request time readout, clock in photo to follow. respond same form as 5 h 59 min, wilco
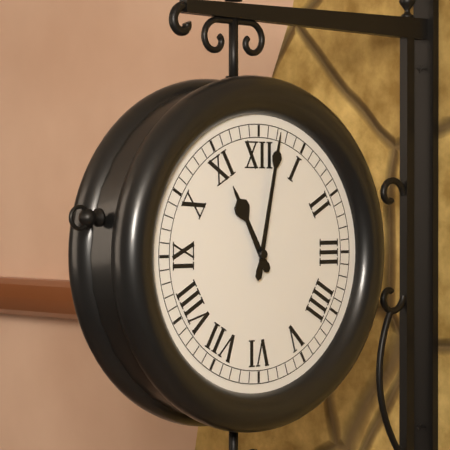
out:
11 h 02 min
